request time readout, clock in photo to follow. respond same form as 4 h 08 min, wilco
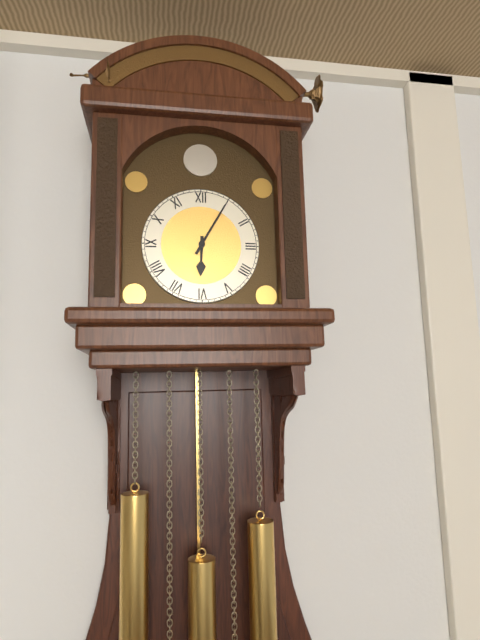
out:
6 h 05 min
